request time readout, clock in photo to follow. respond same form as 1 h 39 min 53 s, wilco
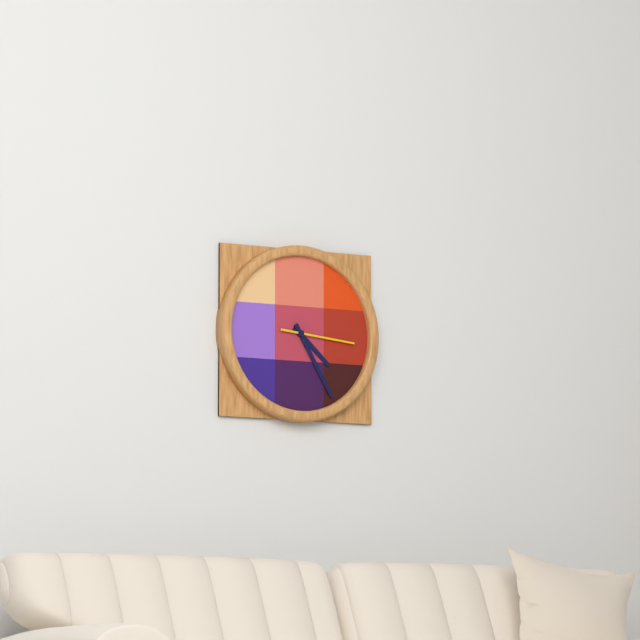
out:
4 h 25 min 16 s
